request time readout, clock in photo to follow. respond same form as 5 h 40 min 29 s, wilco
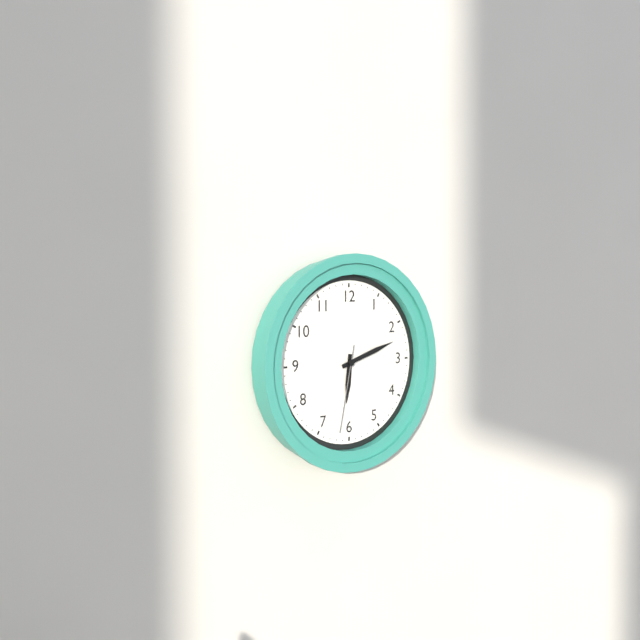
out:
6 h 12 min 32 s
